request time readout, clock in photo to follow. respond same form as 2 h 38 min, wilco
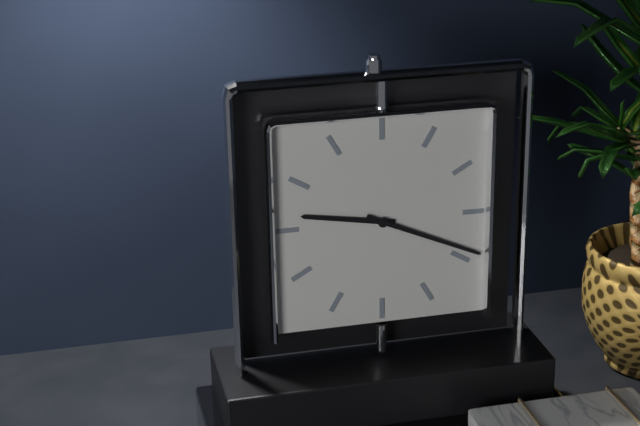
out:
9 h 19 min
